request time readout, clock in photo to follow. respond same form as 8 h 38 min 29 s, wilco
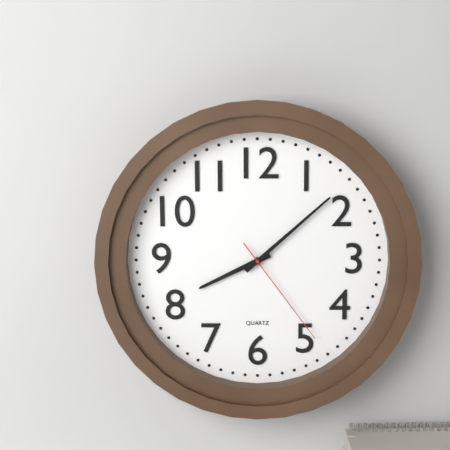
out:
8 h 08 min 24 s
